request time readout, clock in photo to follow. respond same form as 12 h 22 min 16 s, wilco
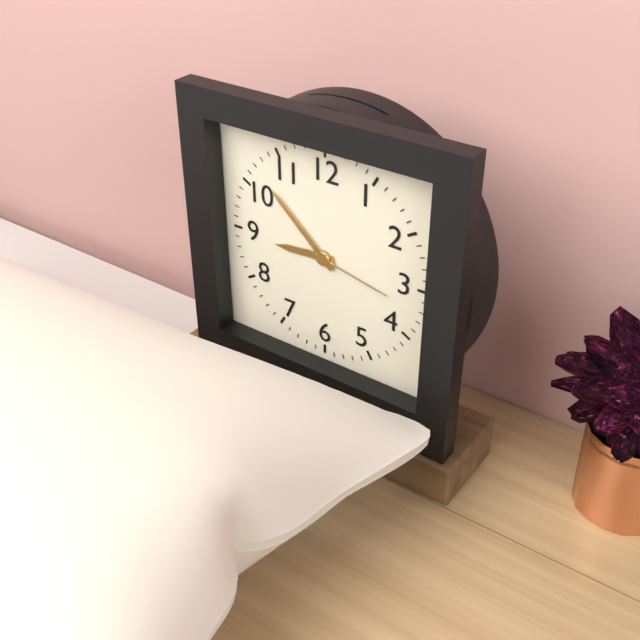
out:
8 h 52 min 17 s
